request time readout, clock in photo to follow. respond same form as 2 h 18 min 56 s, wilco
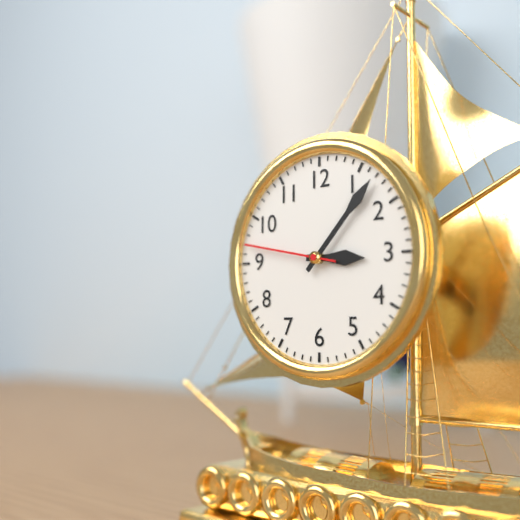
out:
3 h 07 min 47 s
